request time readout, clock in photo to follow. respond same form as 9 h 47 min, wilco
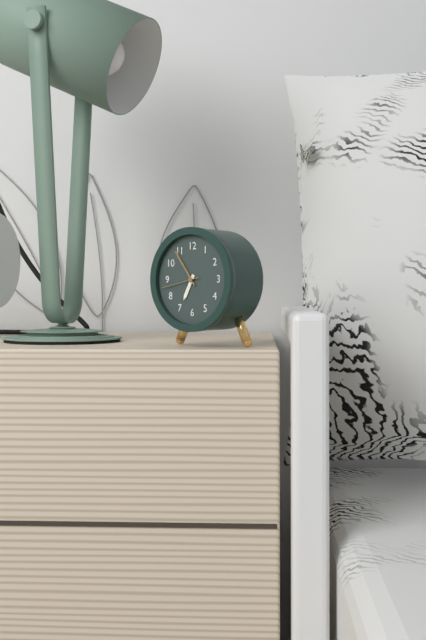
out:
6 h 54 min
